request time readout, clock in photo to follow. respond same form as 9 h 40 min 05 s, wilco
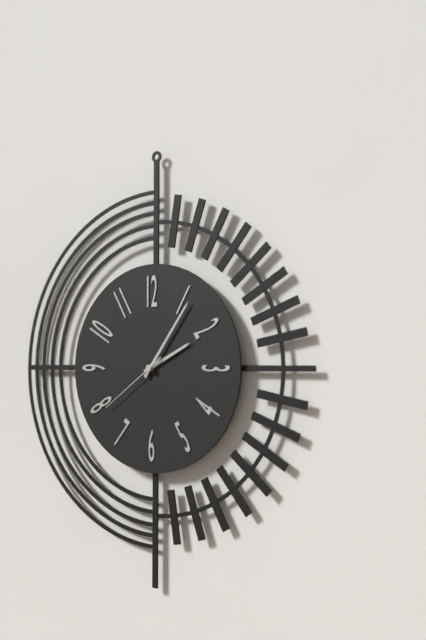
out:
2 h 06 min 39 s
